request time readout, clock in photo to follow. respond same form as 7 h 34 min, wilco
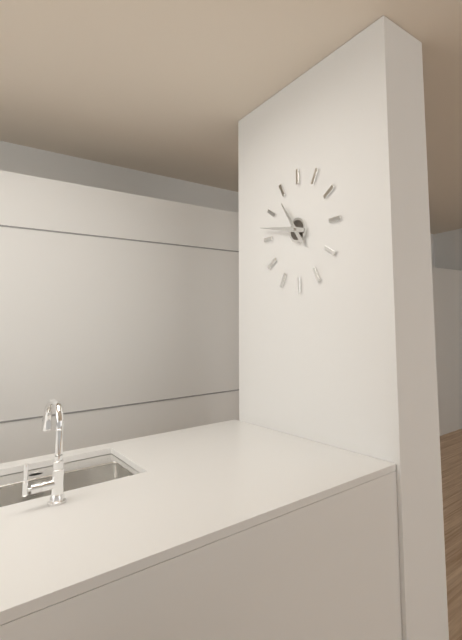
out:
10 h 47 min
